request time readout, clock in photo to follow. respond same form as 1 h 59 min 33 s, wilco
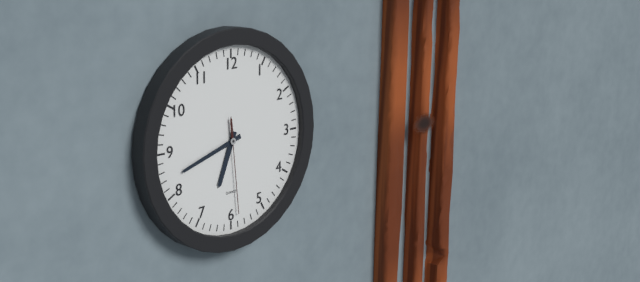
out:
6 h 42 min 29 s
